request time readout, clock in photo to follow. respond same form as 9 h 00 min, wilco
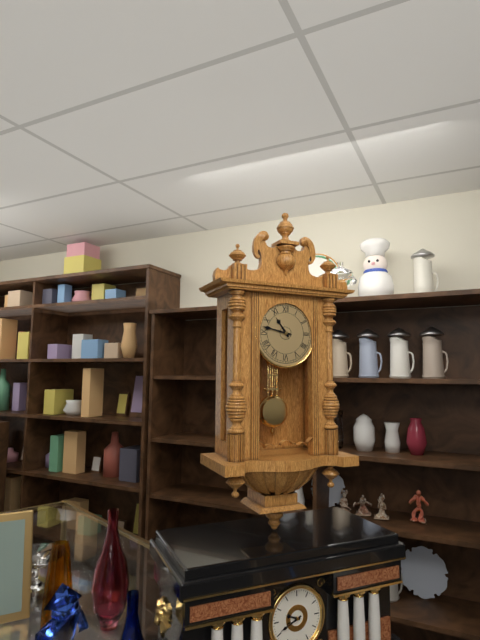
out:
10 h 47 min
